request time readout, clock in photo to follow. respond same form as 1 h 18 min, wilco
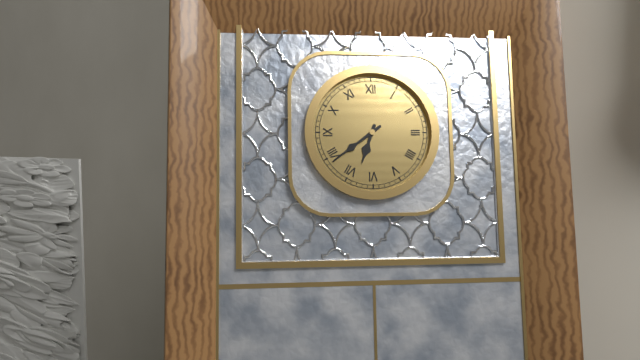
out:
6 h 39 min
